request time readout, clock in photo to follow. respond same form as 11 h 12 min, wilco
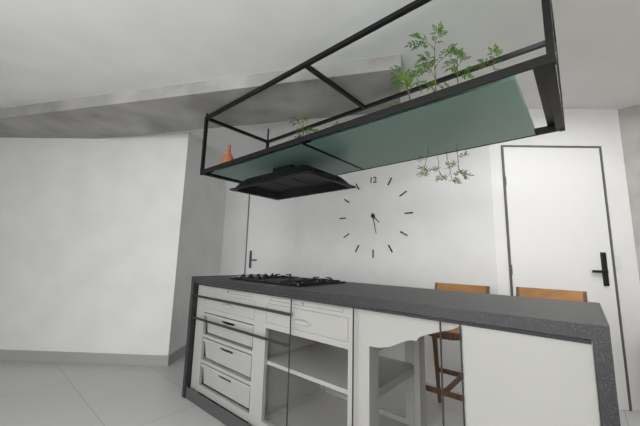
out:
4 h 28 min
